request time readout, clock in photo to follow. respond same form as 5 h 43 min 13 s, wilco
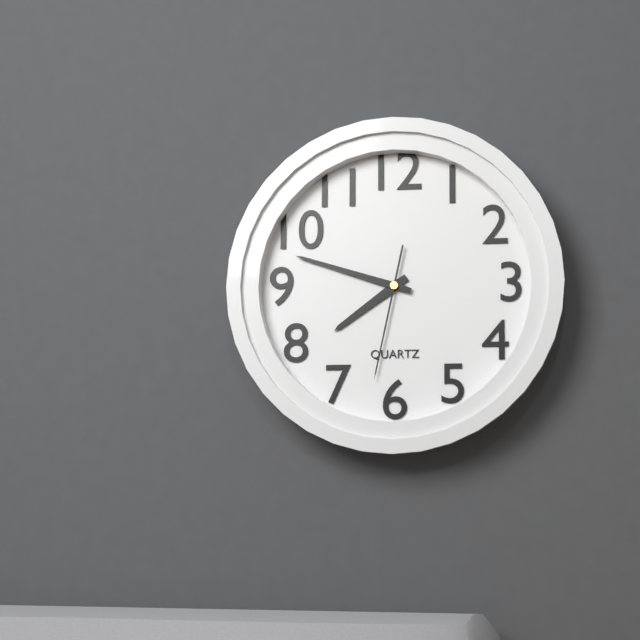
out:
7 h 48 min 32 s
